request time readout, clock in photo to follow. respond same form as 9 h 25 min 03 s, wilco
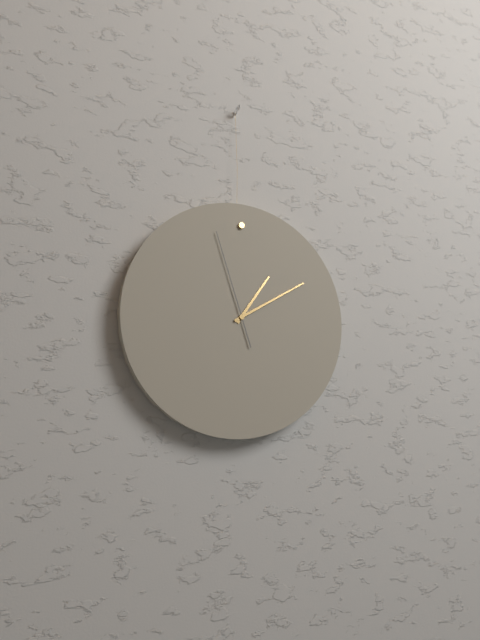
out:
1 h 10 min 57 s
